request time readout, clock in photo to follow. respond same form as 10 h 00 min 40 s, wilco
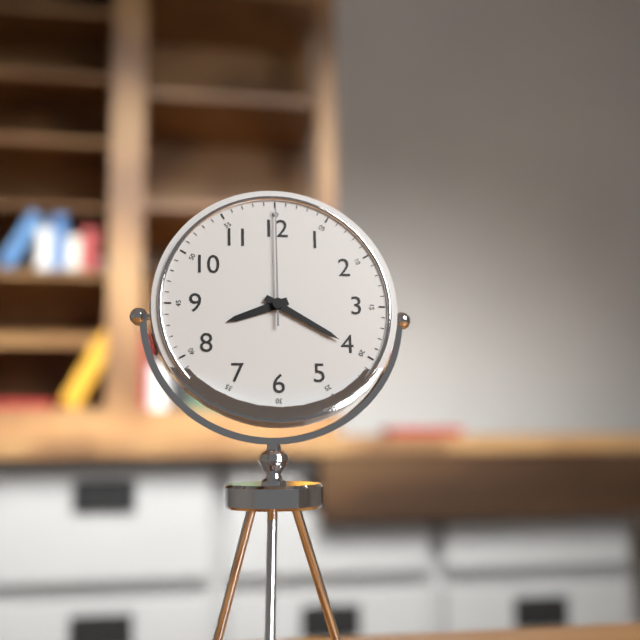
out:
8 h 20 min 00 s
